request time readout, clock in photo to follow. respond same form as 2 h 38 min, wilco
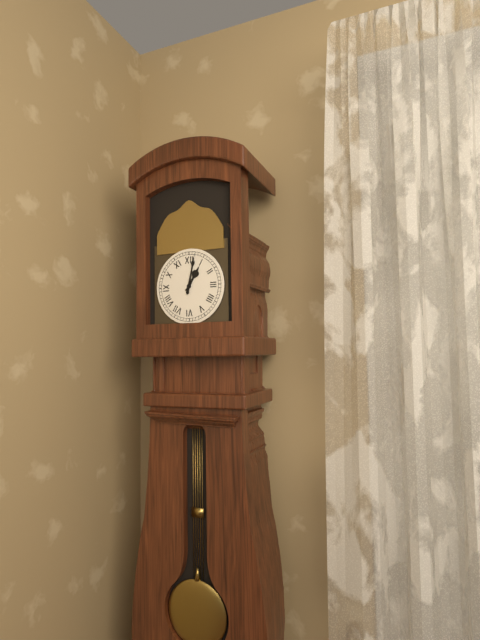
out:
1 h 02 min
